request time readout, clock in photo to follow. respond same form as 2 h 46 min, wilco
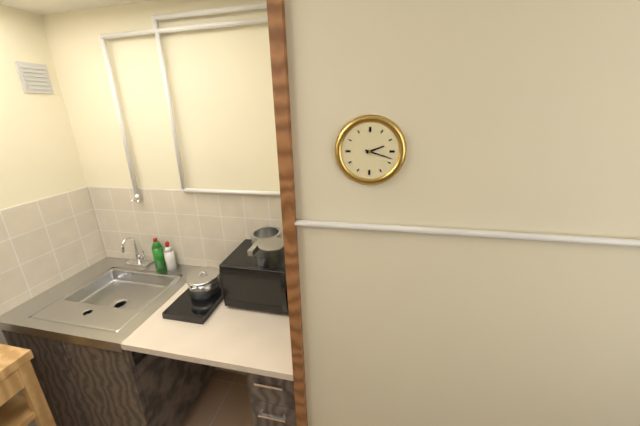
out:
2 h 18 min
